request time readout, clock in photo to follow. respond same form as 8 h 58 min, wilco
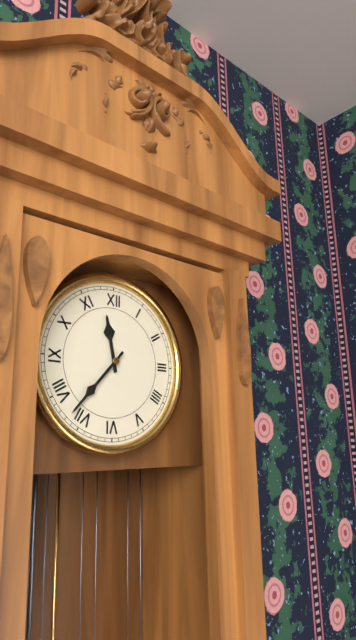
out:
11 h 37 min
